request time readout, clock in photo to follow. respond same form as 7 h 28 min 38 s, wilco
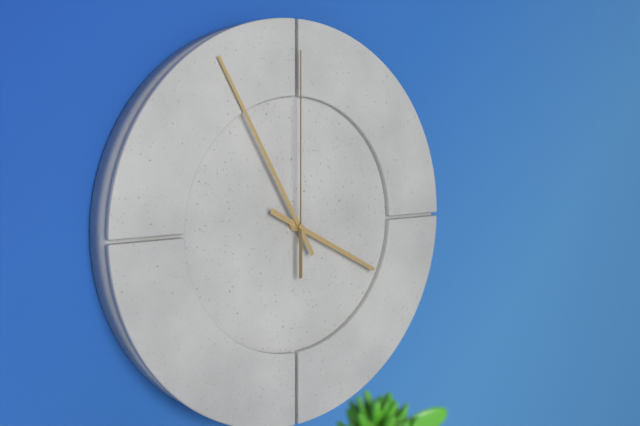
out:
3 h 55 min 00 s
